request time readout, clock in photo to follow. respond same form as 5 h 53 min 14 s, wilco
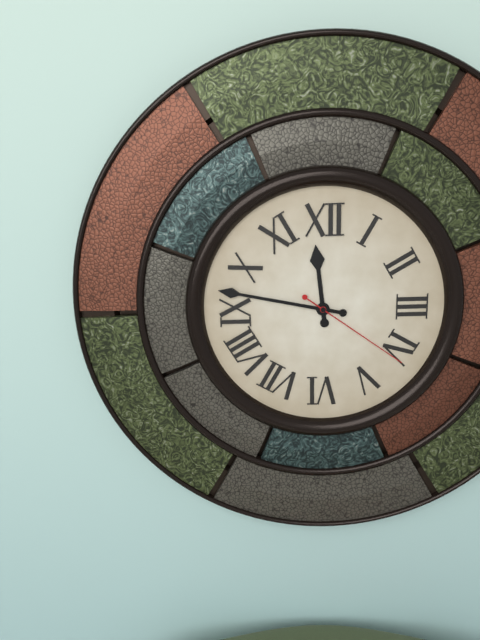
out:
11 h 47 min 21 s
